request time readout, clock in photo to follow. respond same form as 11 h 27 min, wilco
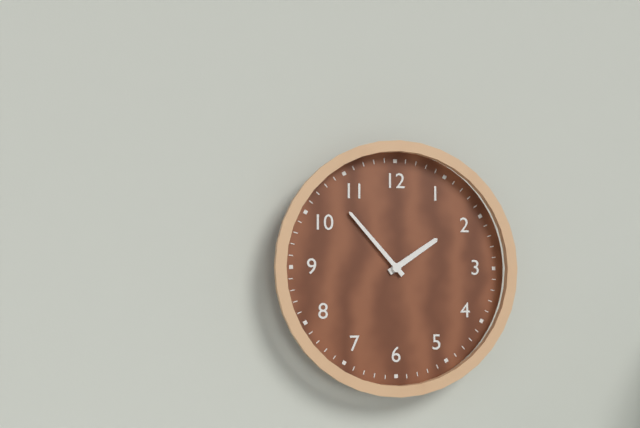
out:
1 h 53 min
